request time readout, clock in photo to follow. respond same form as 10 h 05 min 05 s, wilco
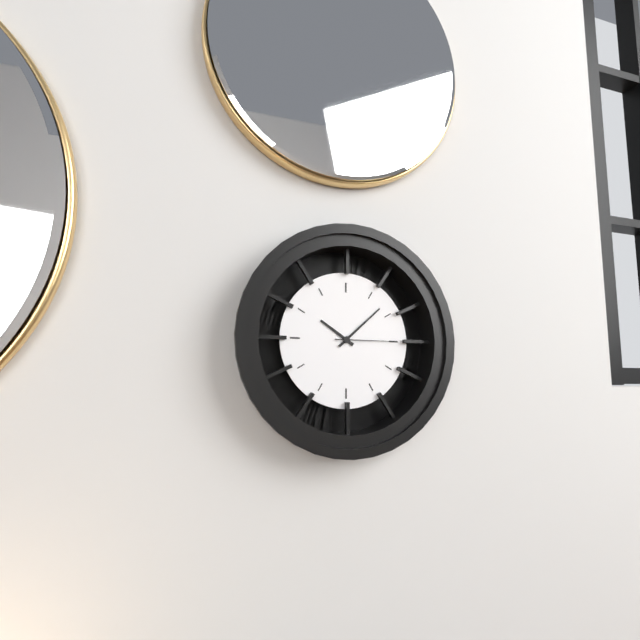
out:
10 h 08 min 15 s
